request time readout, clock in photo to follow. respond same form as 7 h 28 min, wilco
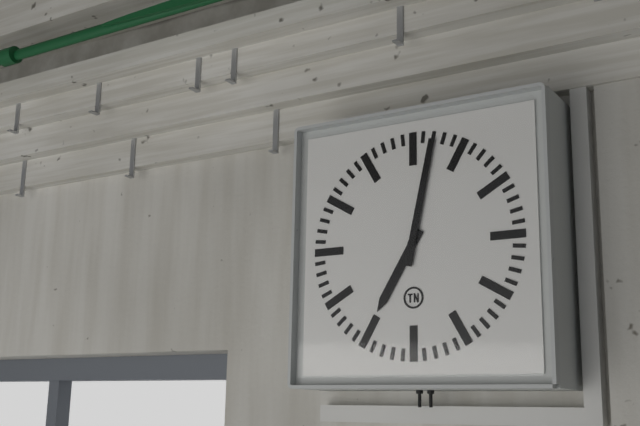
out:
7 h 02 min
